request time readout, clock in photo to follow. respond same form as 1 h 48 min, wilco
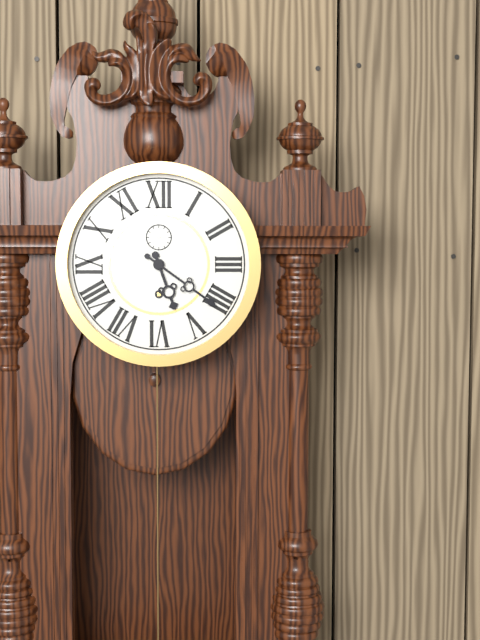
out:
5 h 21 min
